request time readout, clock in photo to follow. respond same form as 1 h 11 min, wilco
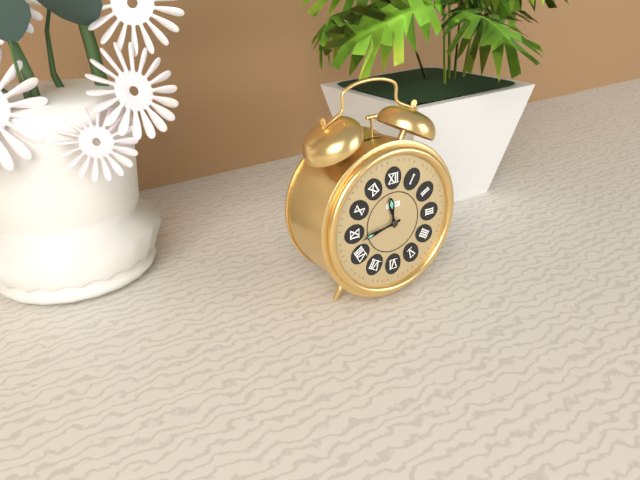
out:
11 h 43 min
